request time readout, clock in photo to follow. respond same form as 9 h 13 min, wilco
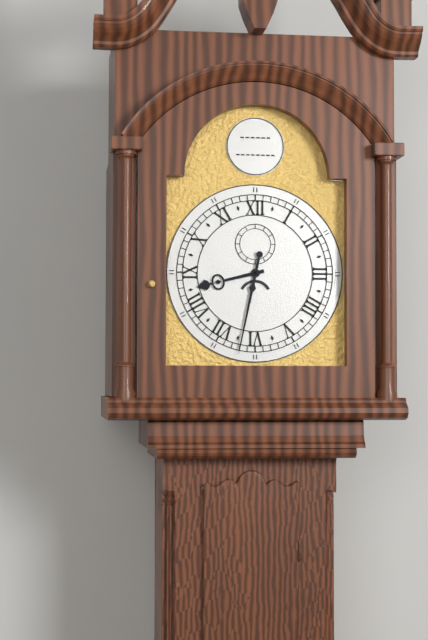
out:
8 h 32 min
